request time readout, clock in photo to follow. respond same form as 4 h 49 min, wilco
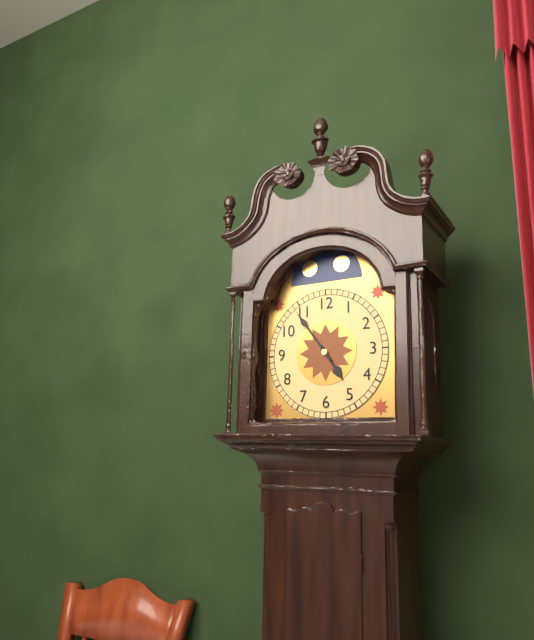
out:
4 h 54 min
